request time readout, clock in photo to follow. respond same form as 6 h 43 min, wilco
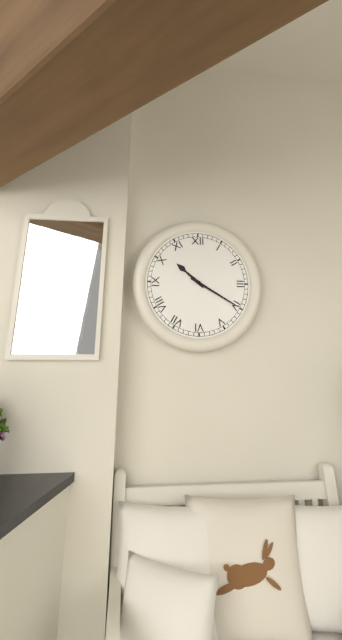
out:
10 h 20 min
